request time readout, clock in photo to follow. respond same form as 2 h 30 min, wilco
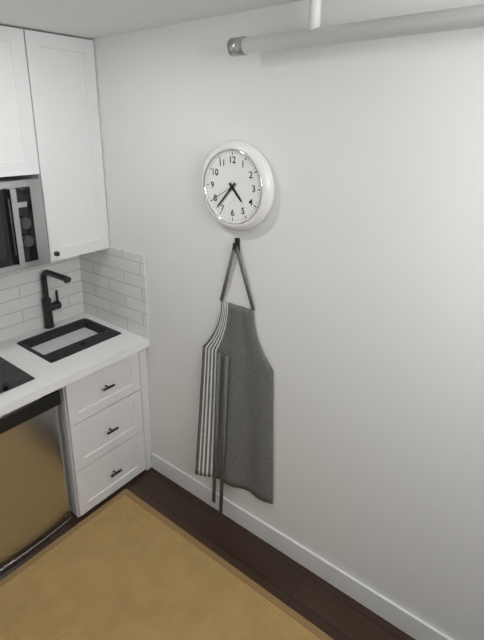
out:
4 h 37 min
